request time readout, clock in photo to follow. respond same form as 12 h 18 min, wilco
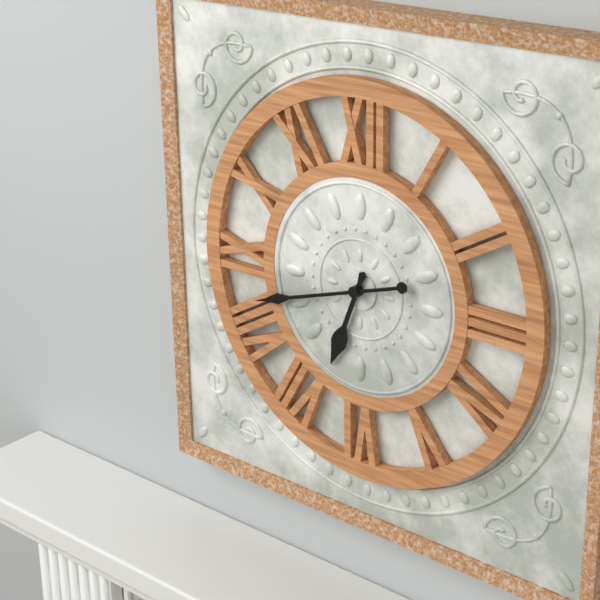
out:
6 h 42 min
